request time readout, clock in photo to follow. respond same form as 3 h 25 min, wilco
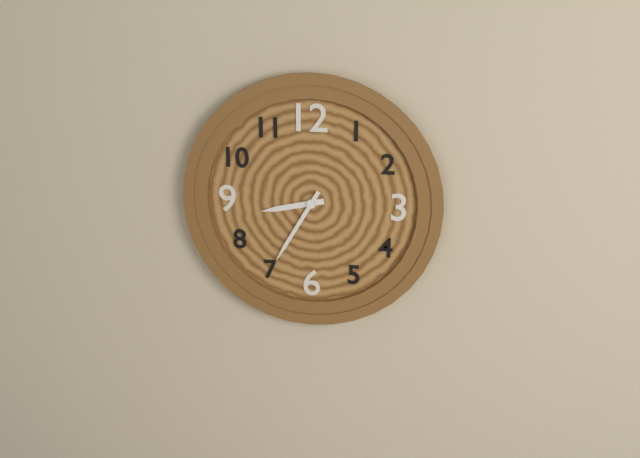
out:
8 h 35 min
